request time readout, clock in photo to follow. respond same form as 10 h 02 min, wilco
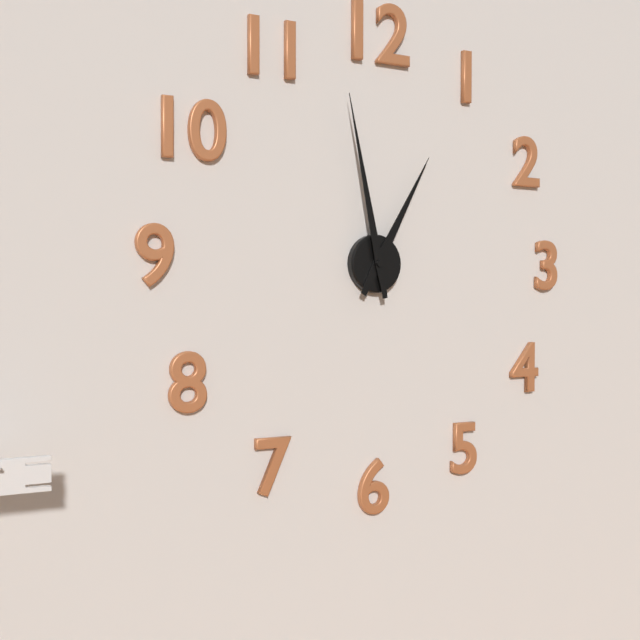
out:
12 h 58 min
